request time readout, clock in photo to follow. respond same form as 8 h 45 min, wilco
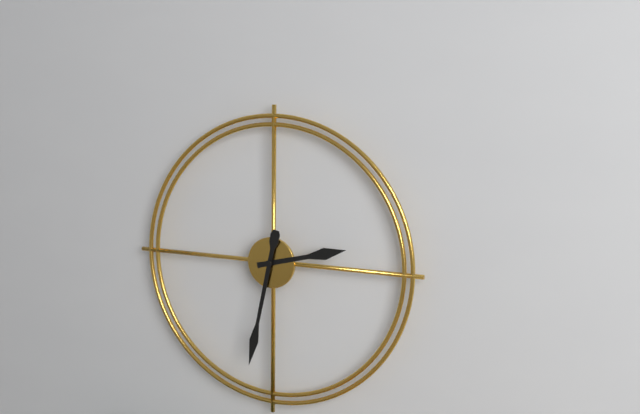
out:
2 h 32 min
